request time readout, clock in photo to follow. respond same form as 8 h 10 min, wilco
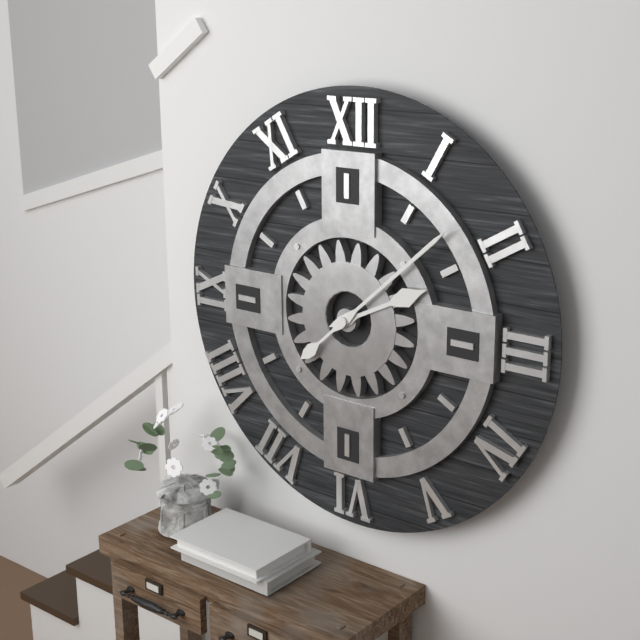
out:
2 h 08 min
